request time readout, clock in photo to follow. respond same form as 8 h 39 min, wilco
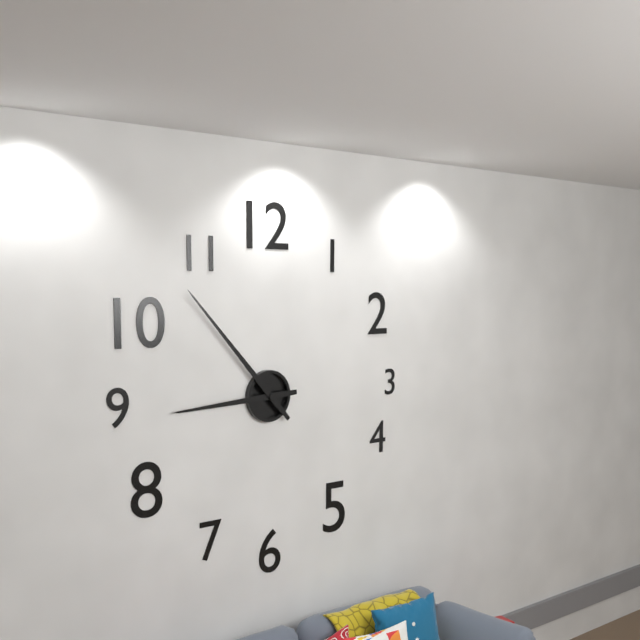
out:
8 h 53 min
